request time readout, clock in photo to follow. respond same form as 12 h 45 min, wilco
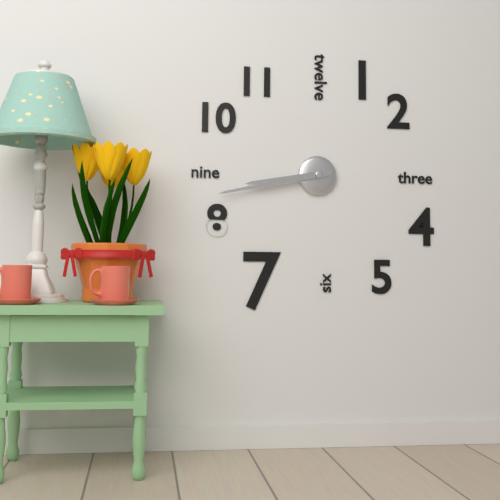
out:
8 h 43 min
